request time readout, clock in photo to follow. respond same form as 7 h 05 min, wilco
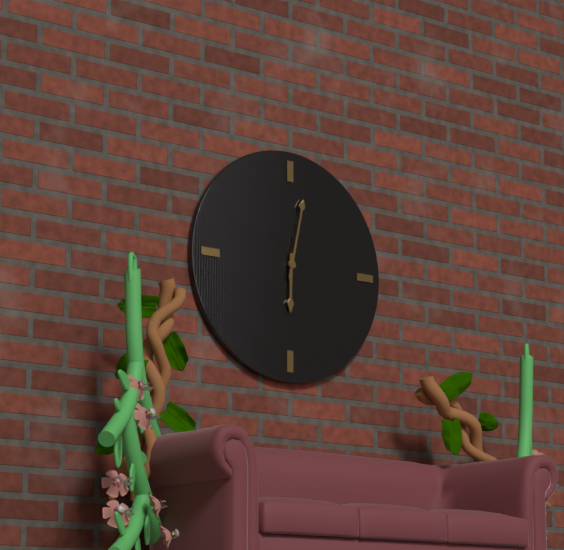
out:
6 h 02 min
